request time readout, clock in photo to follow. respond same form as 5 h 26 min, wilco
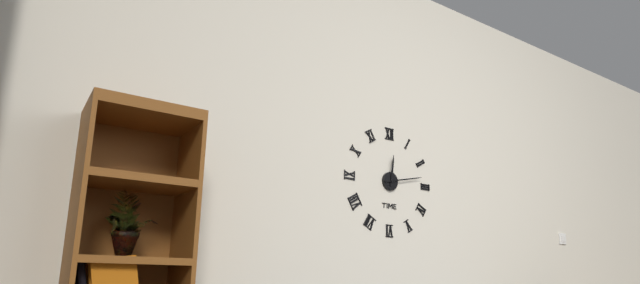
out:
12 h 13 min
